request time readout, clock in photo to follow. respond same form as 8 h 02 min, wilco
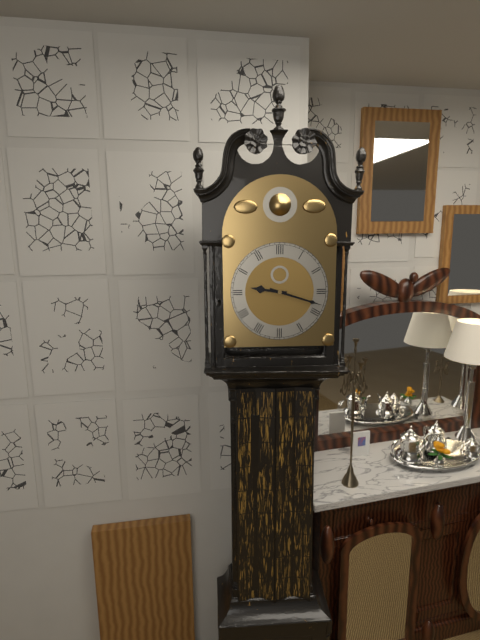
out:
9 h 18 min
